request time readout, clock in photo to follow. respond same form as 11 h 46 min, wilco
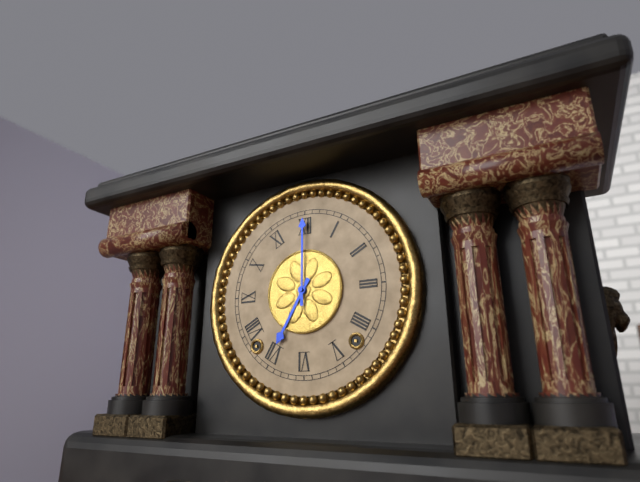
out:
7 h 00 min
